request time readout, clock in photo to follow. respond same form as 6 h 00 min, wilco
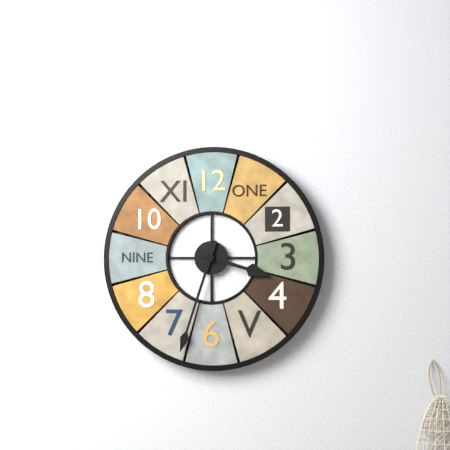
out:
3 h 33 min
